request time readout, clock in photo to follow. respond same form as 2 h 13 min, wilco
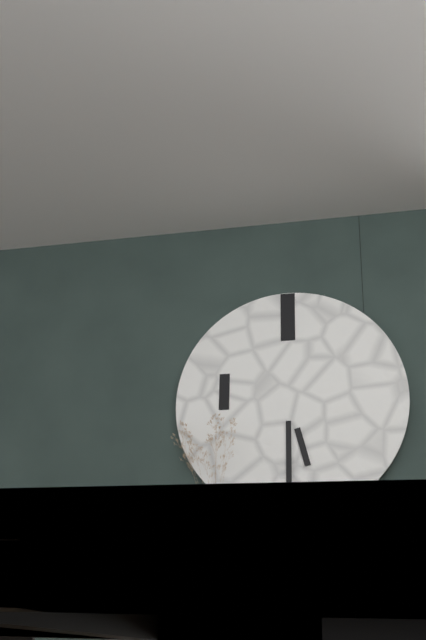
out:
5 h 30 min
